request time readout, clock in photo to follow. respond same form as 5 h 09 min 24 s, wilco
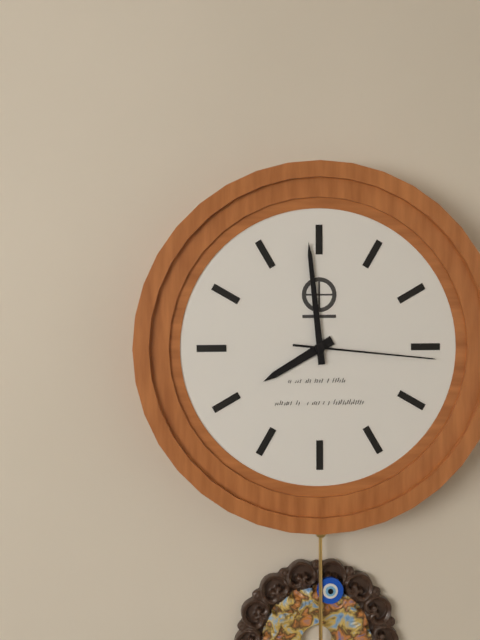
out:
7 h 59 min 16 s
